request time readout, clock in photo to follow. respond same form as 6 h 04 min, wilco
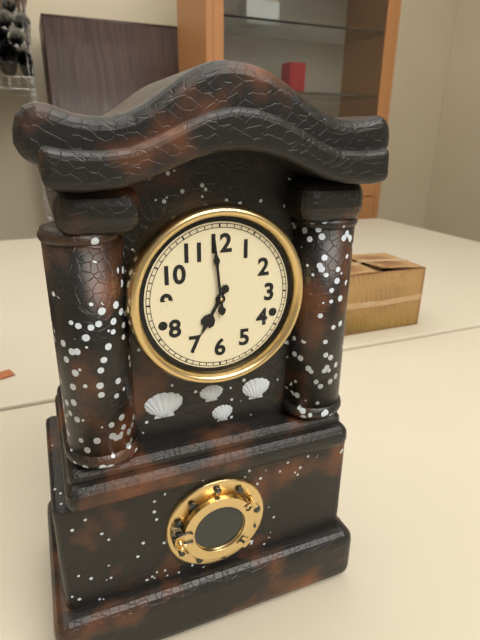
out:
6 h 59 min
